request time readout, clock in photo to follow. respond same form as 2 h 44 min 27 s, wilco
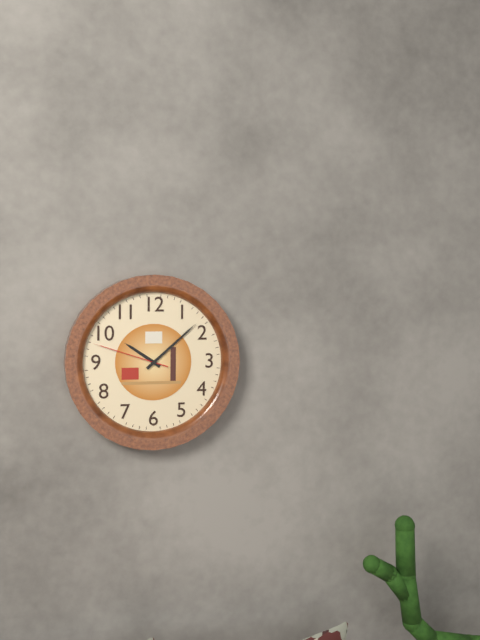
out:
10 h 08 min 48 s
